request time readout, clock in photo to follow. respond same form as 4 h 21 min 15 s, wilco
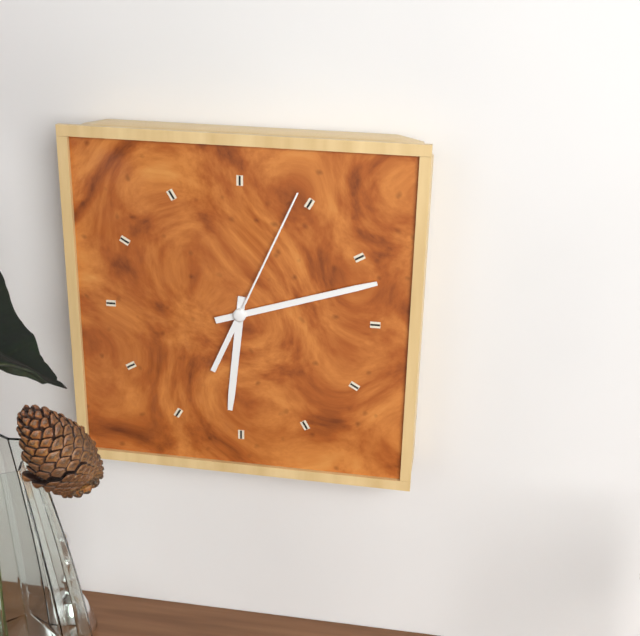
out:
6 h 12 min 04 s
